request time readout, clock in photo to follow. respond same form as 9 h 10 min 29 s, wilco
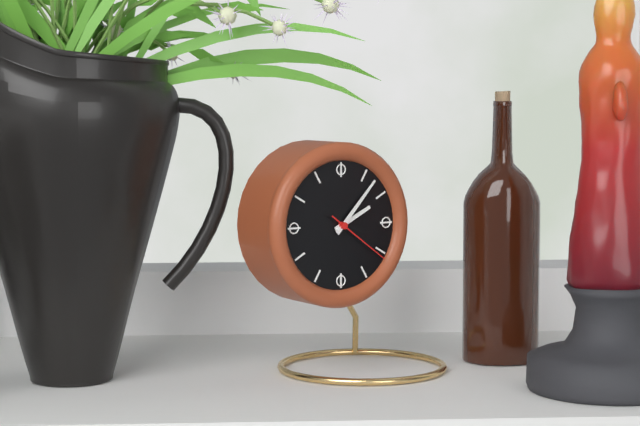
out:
2 h 07 min 21 s
